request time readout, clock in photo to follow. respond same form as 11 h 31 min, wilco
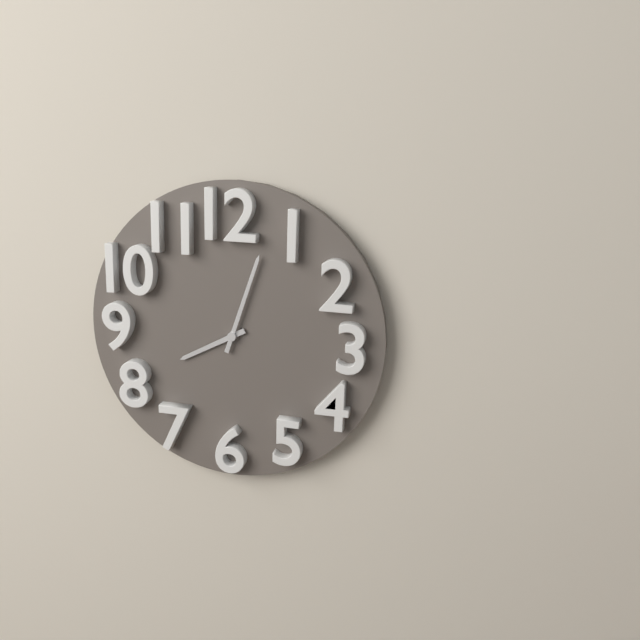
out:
8 h 03 min
